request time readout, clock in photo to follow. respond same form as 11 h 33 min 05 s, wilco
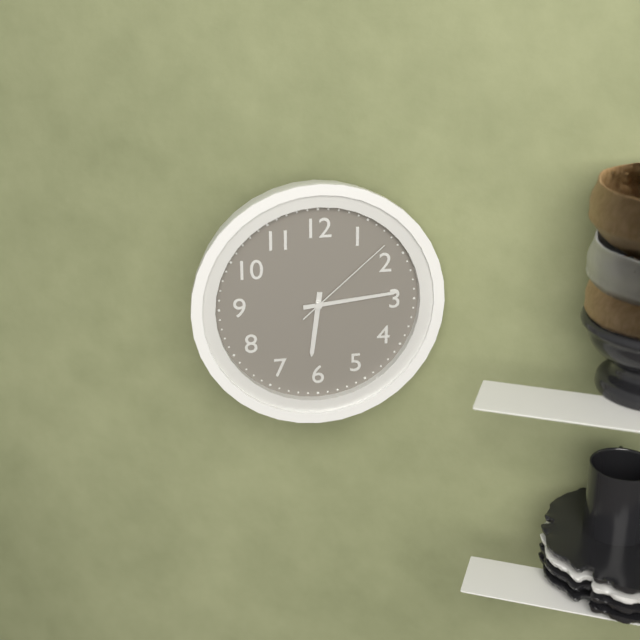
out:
6 h 14 min 08 s
